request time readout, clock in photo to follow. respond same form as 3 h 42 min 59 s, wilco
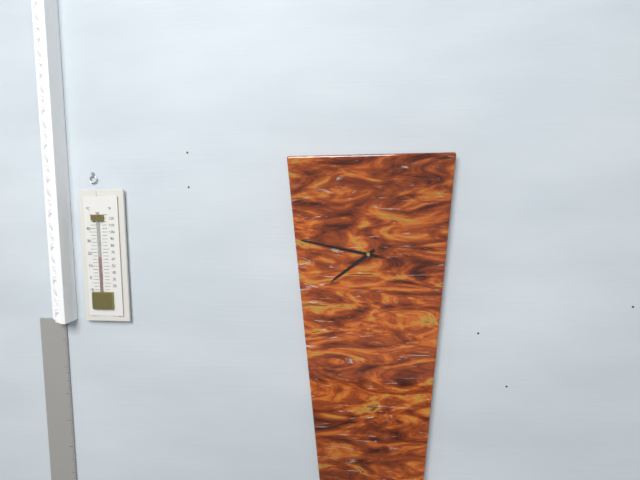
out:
7 h 47 min 47 s
